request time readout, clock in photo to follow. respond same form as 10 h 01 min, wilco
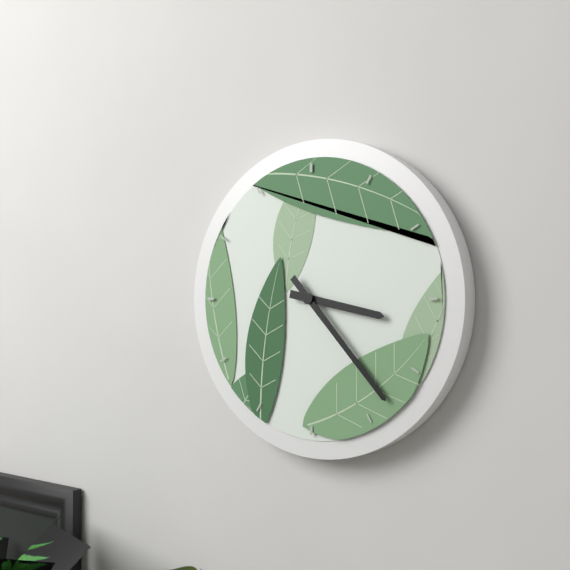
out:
3 h 23 min
